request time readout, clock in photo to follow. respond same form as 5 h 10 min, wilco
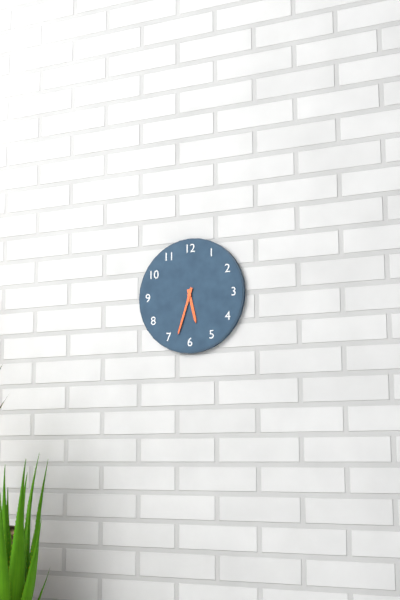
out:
5 h 33 min
